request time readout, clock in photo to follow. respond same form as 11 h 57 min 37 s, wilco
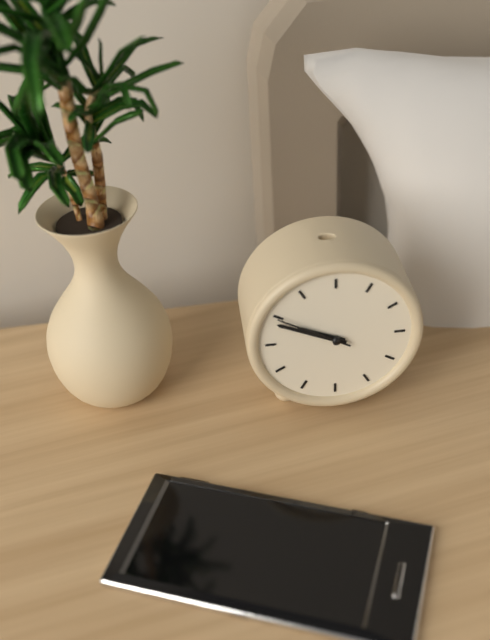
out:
9 h 49 min 50 s
